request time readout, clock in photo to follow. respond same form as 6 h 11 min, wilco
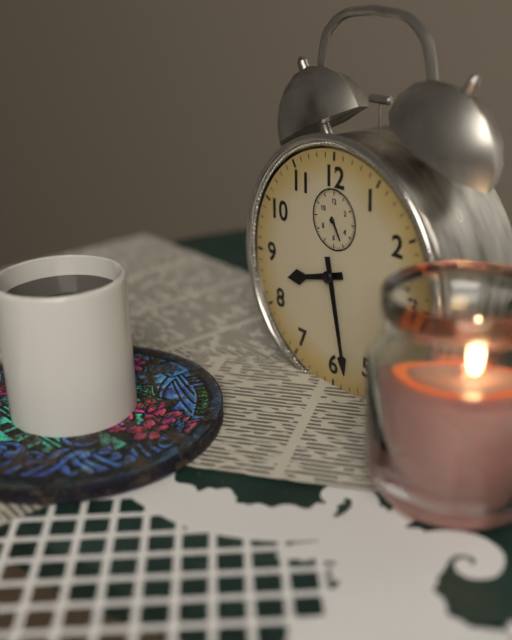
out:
8 h 28 min
